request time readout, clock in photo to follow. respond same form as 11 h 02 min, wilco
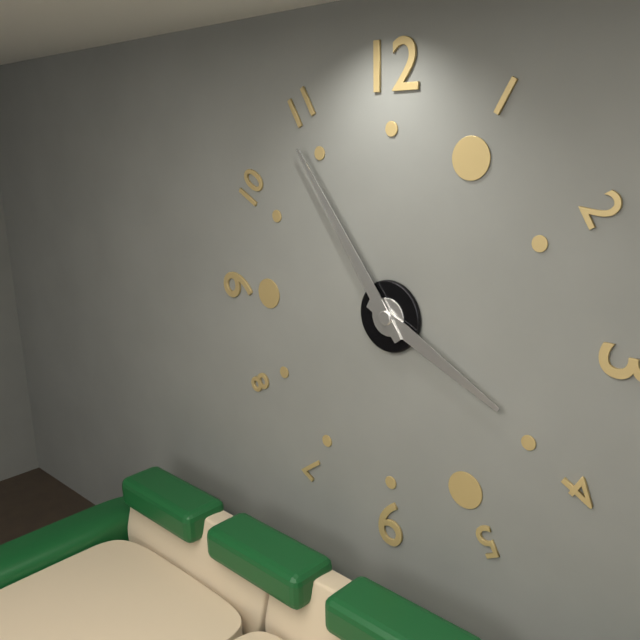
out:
3 h 54 min
